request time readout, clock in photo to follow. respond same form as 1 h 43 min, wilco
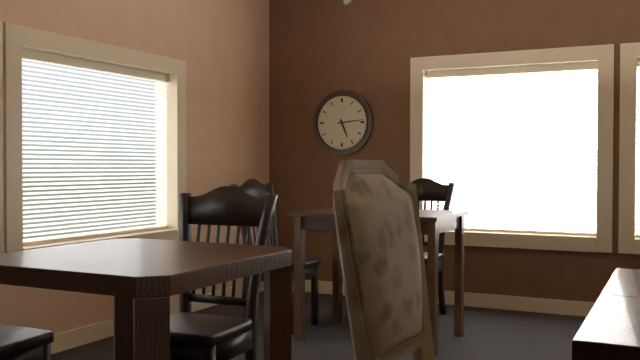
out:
5 h 14 min
